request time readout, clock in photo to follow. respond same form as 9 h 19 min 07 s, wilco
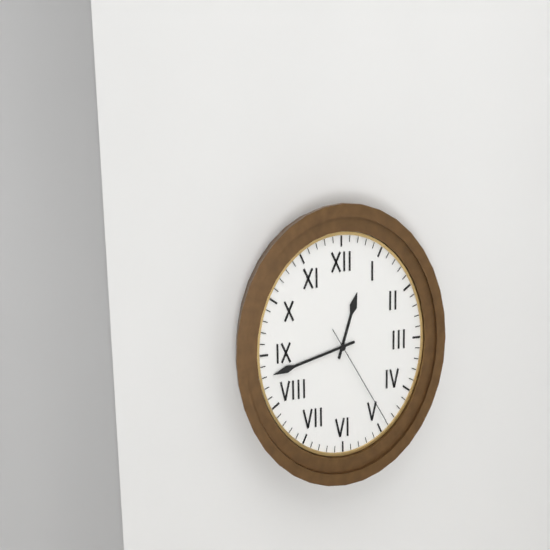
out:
12 h 43 min 24 s
